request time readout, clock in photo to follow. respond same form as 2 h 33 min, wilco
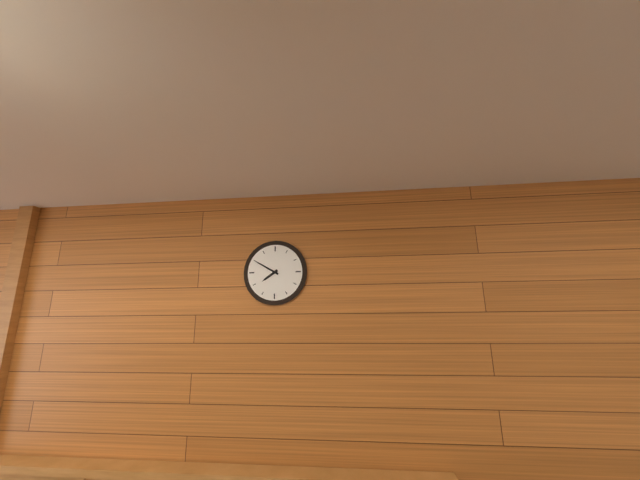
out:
7 h 50 min
